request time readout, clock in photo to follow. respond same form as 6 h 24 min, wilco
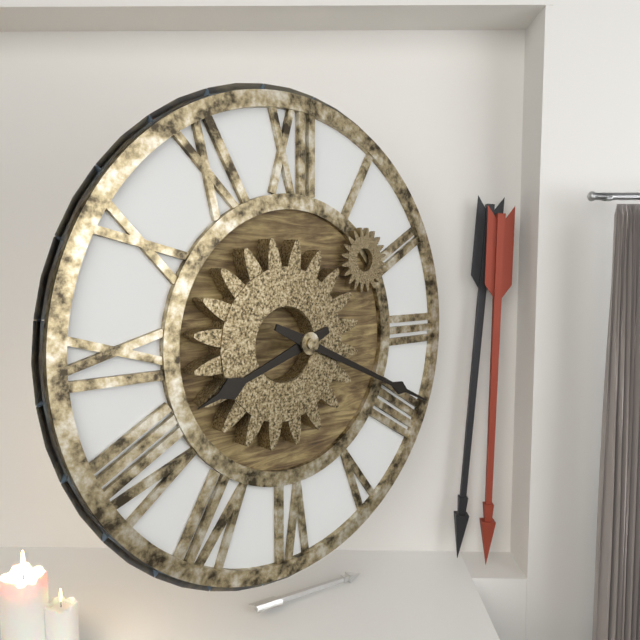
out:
8 h 19 min
